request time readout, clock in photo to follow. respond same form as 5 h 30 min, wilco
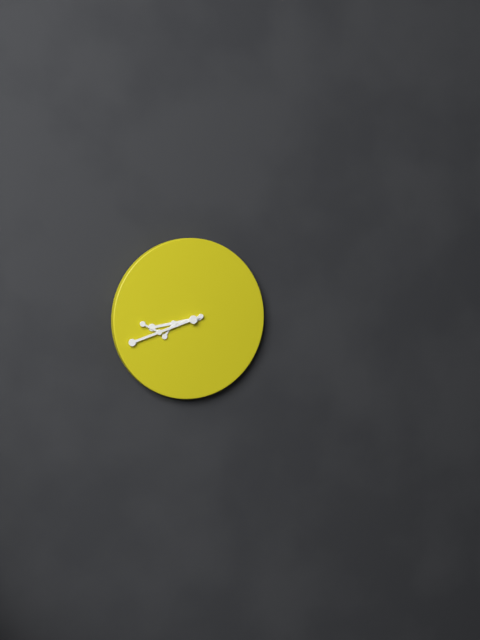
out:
8 h 42 min
